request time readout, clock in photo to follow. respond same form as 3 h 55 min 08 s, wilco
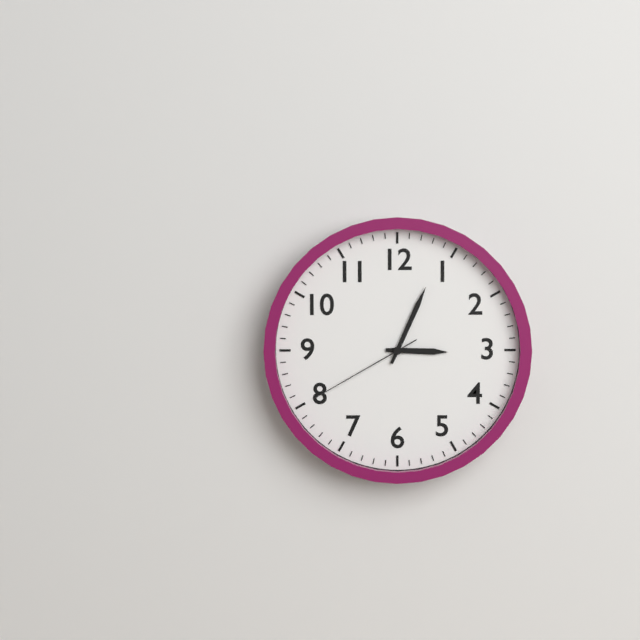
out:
3 h 04 min 40 s
